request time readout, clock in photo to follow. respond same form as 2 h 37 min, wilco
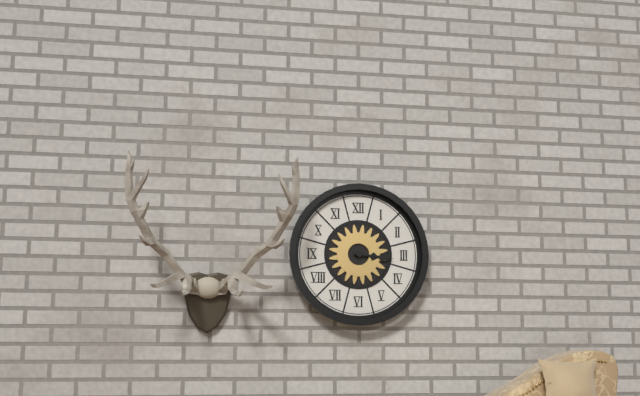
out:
3 h 16 min
